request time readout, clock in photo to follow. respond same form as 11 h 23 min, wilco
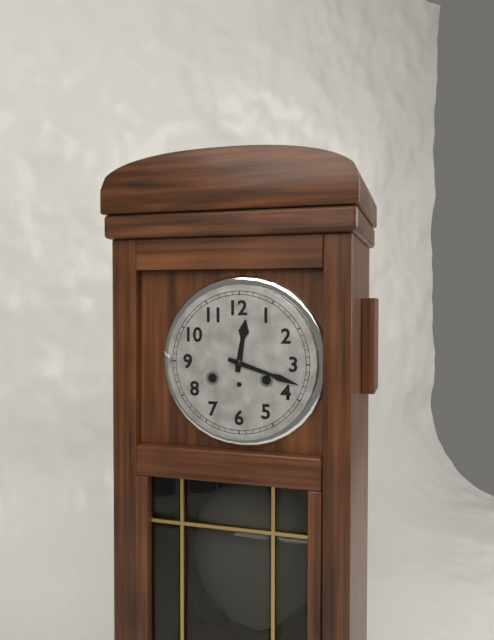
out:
12 h 18 min
